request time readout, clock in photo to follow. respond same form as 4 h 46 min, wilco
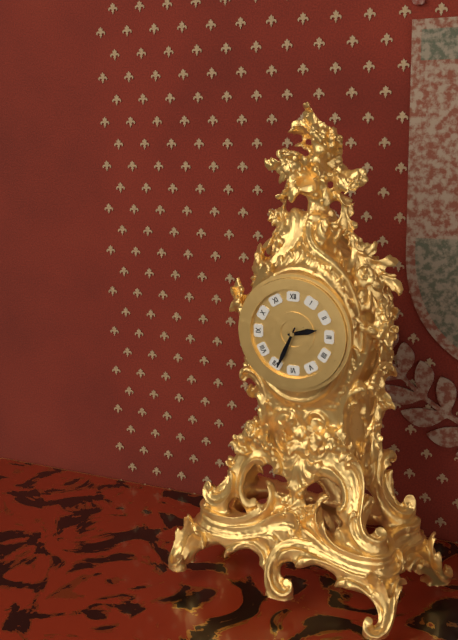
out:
2 h 34 min
